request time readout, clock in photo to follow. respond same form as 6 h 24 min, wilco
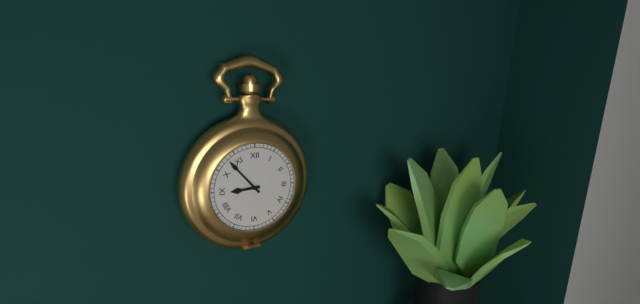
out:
8 h 53 min
